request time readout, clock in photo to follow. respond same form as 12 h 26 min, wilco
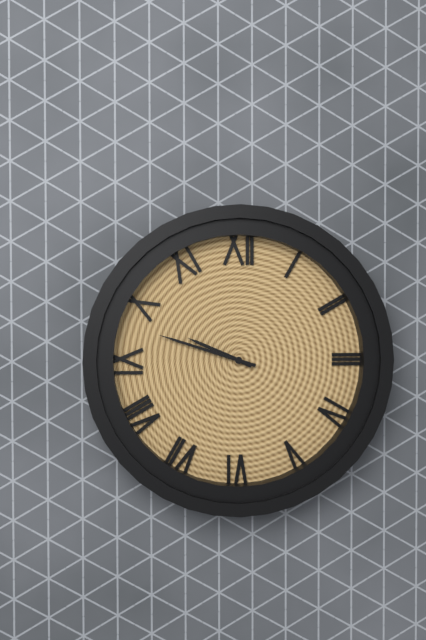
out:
9 h 48 min
